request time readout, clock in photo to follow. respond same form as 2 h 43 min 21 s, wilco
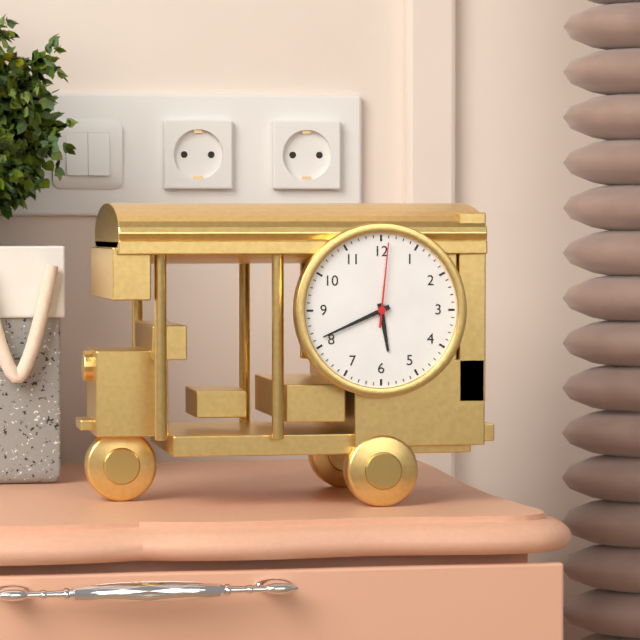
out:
5 h 41 min 01 s
